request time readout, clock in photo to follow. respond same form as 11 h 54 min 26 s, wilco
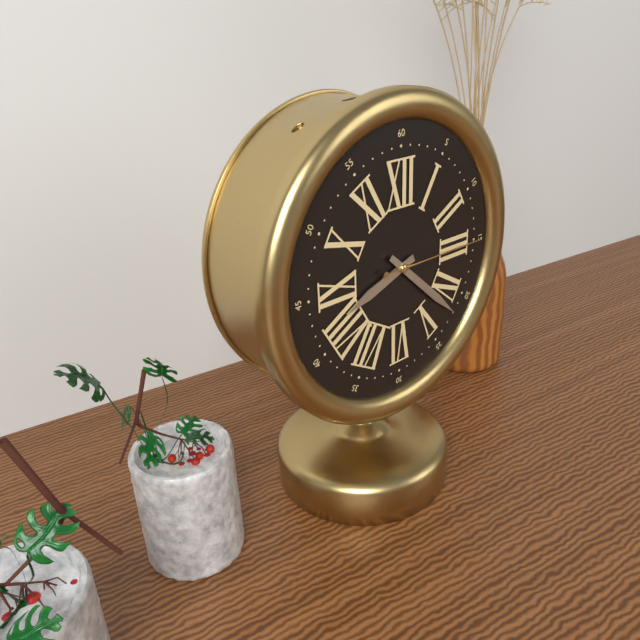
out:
8 h 22 min 15 s
